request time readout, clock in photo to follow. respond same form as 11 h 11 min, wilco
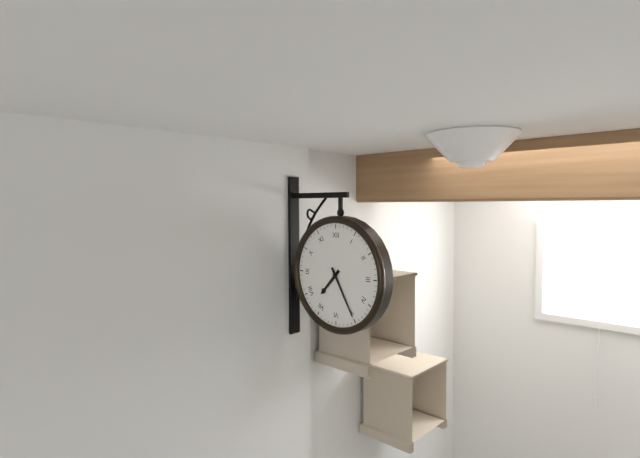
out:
7 h 25 min
